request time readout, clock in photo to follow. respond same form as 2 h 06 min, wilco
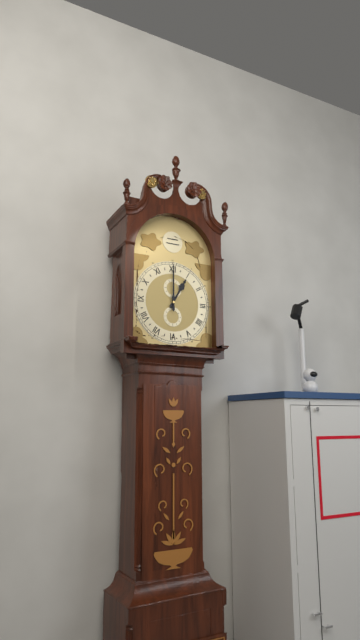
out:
1 h 00 min
